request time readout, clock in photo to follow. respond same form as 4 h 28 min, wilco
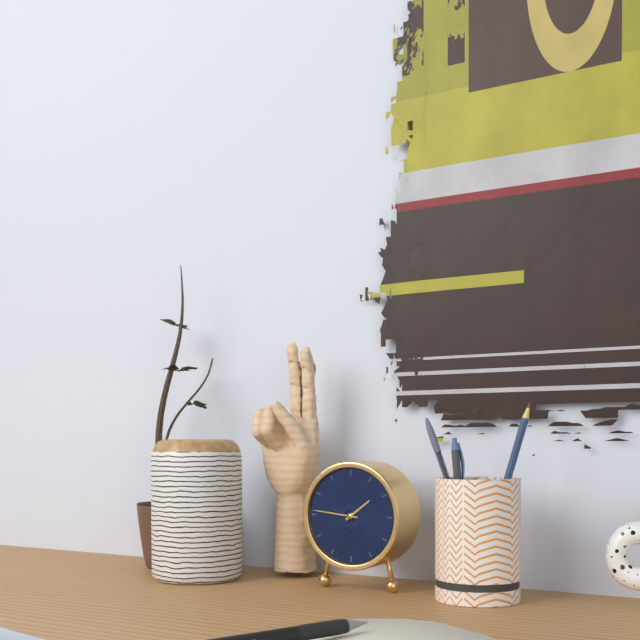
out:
1 h 46 min
